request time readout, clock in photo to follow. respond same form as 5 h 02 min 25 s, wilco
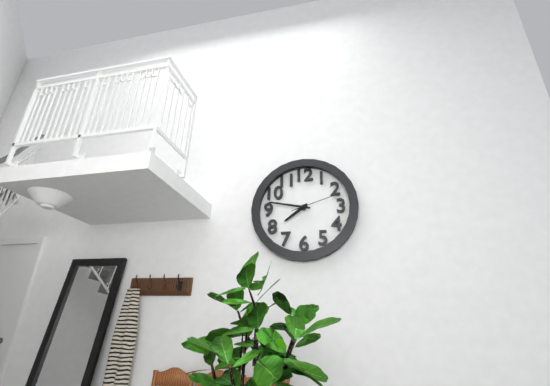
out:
7 h 47 min 12 s
